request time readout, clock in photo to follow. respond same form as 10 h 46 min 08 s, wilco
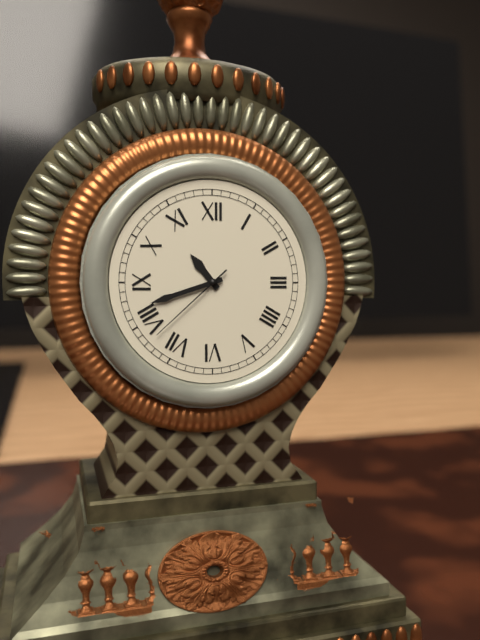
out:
10 h 42 min 38 s
